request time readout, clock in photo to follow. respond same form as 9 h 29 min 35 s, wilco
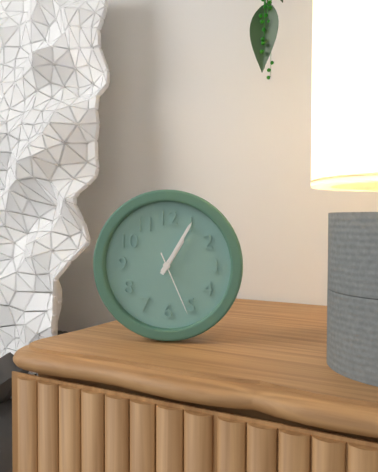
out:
1 h 05 min 26 s
